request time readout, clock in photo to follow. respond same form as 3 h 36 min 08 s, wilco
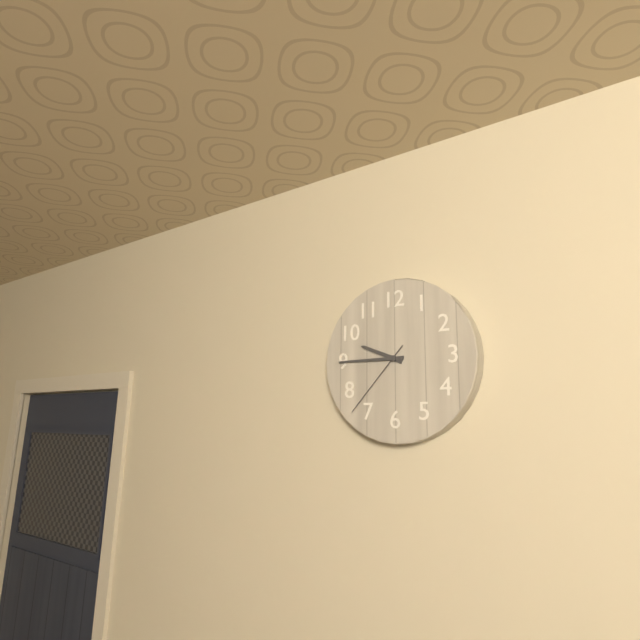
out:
9 h 45 min 37 s
